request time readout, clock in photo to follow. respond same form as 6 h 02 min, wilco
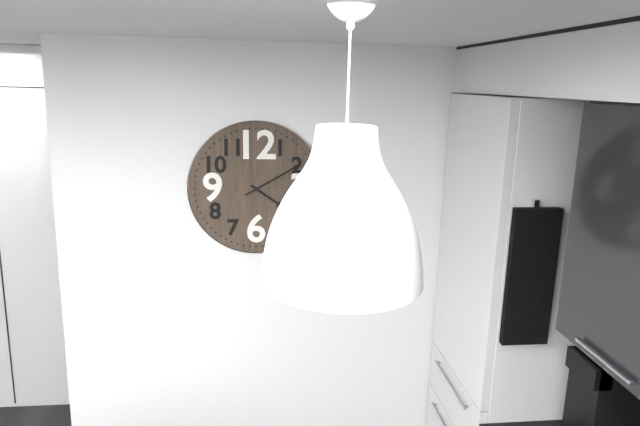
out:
4 h 10 min
